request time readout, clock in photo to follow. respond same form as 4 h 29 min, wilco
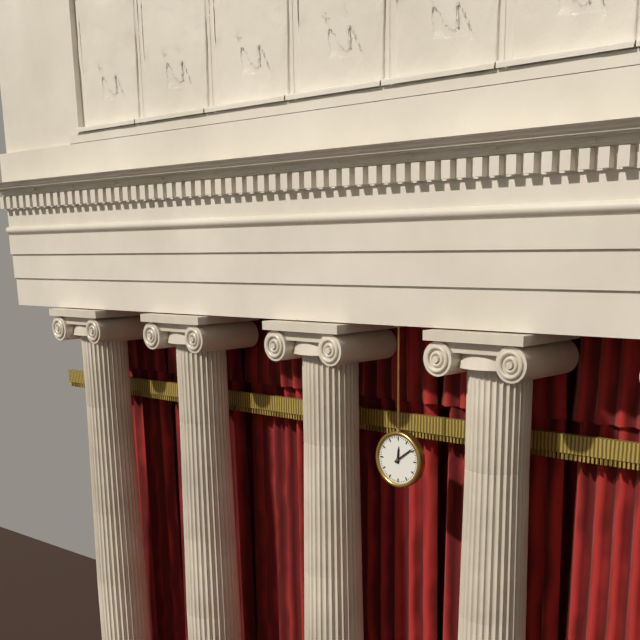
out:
12 h 09 min
